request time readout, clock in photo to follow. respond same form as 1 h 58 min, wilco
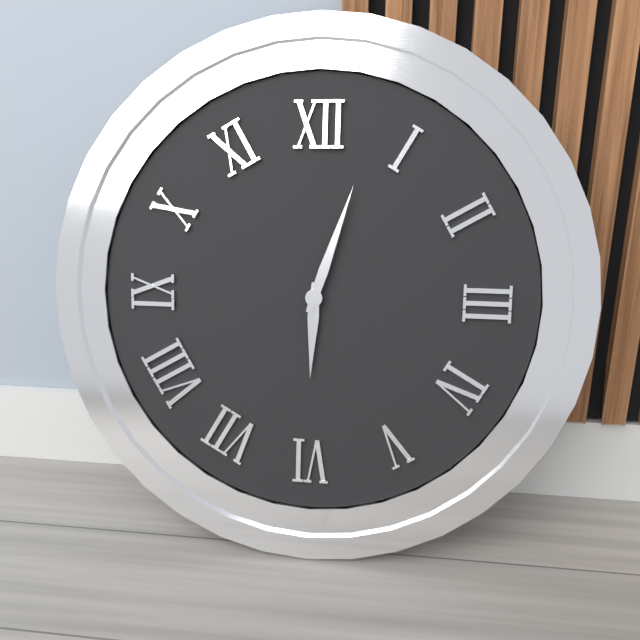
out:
6 h 03 min
